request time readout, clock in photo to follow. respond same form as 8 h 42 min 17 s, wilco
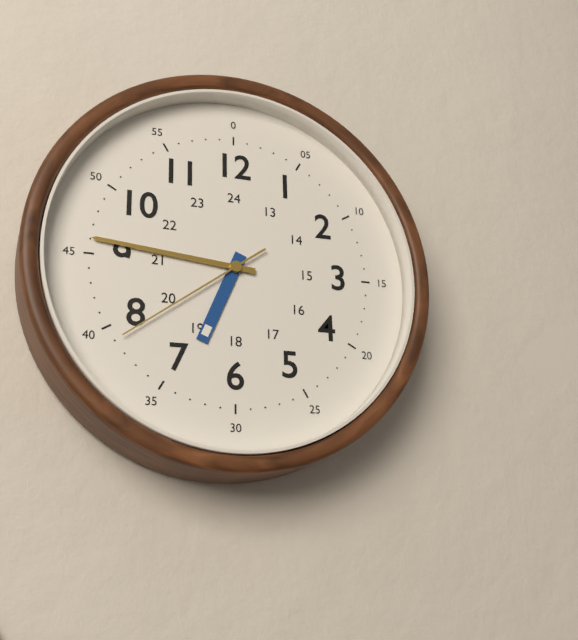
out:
6 h 46 min 39 s
